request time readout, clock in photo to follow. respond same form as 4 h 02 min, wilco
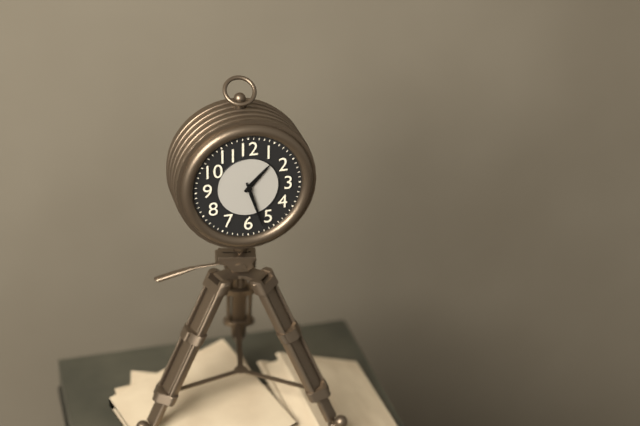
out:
1 h 27 min
